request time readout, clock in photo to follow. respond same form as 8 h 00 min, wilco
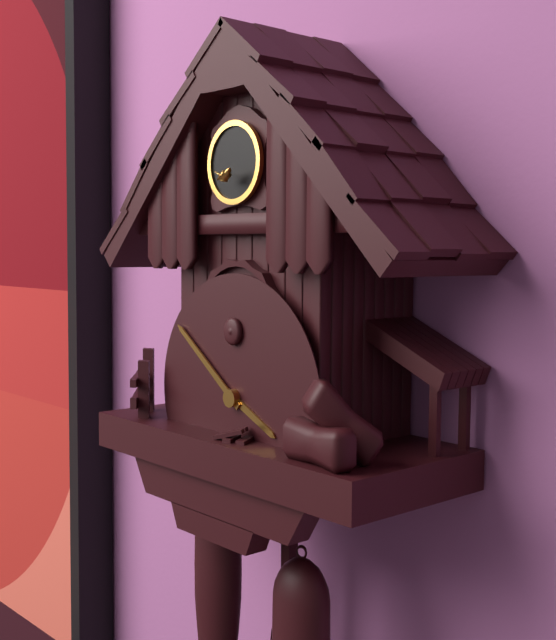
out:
3 h 51 min
